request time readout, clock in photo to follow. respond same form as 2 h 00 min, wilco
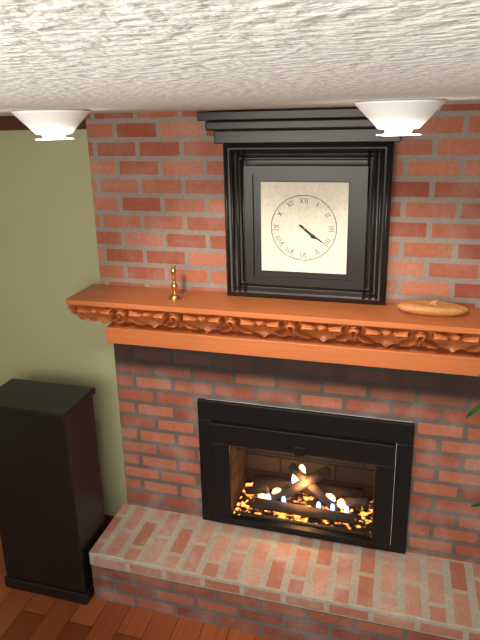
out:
4 h 21 min
